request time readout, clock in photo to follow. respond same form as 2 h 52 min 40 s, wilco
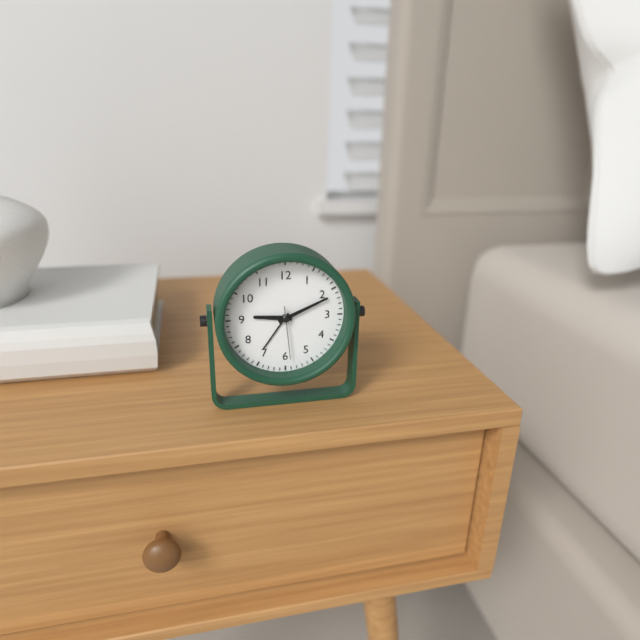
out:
9 h 11 min 29 s
